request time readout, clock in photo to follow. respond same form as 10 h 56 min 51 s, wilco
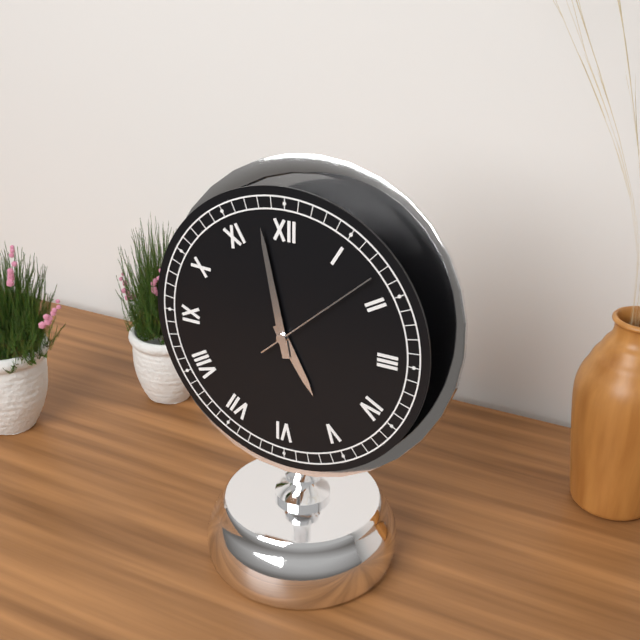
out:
4 h 58 min 08 s
